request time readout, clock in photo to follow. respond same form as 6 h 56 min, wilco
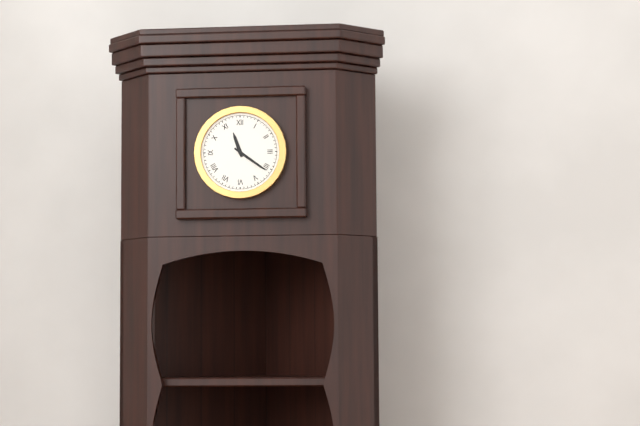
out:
11 h 21 min
